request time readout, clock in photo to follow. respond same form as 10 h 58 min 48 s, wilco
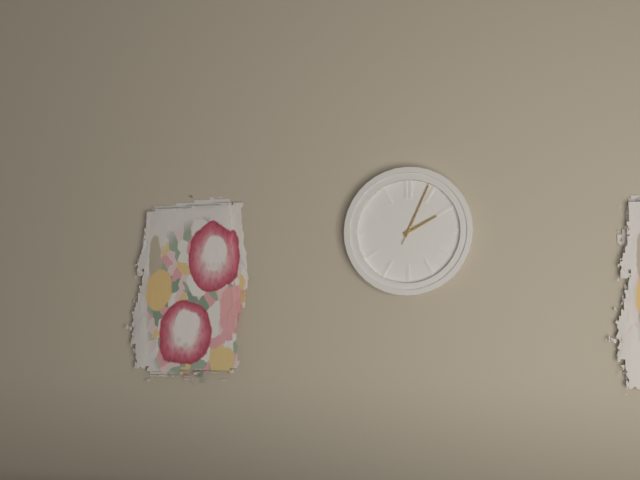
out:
2 h 04 min 04 s
